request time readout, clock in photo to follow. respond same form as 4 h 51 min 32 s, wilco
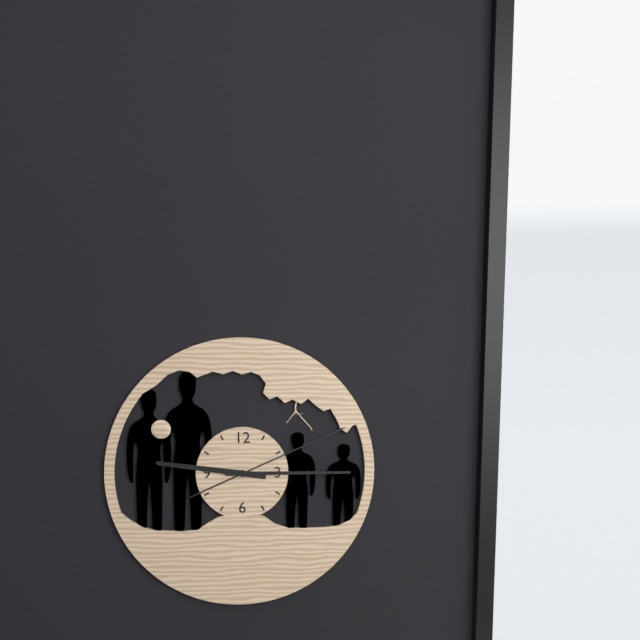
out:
9 h 15 min 11 s
